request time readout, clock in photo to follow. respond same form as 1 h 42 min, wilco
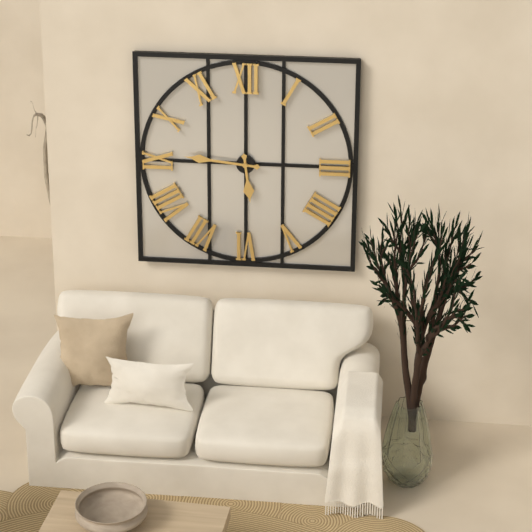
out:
5 h 46 min
